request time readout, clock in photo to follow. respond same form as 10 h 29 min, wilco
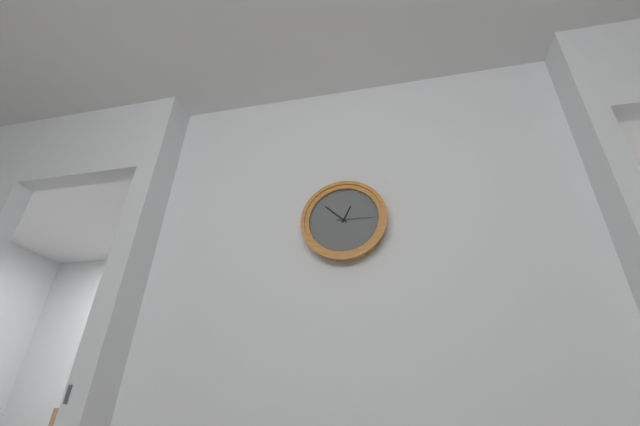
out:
12 h 52 min
